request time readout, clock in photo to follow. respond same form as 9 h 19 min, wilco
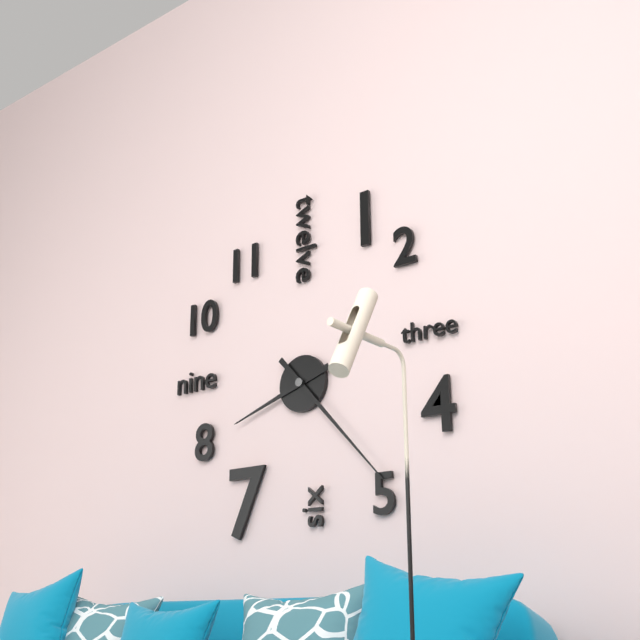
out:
8 h 23 min
